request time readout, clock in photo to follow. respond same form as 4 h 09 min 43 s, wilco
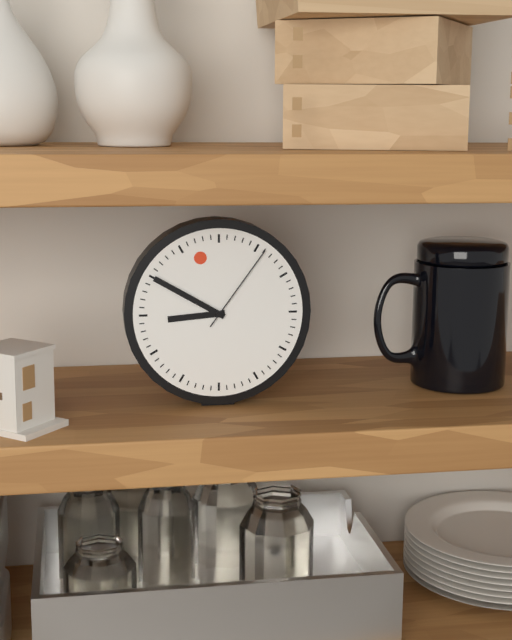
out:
8 h 50 min 06 s
